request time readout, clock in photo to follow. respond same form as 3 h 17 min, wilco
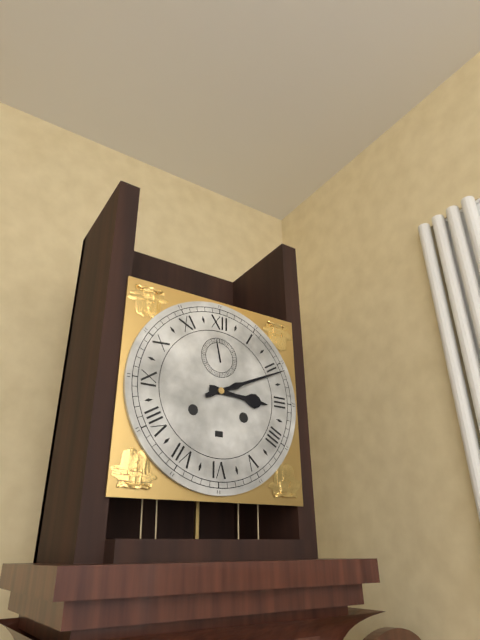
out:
3 h 11 min
